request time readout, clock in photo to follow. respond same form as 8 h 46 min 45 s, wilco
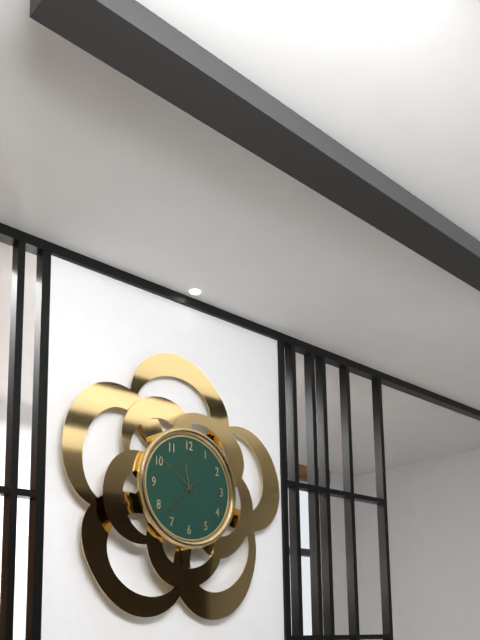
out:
11 h 37 min 51 s
